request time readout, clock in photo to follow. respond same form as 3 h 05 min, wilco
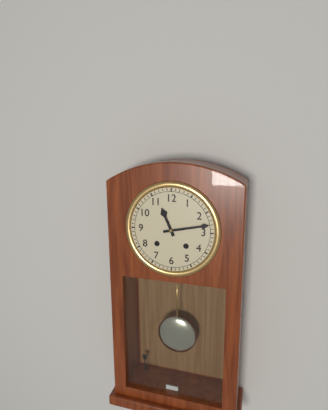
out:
11 h 13 min
